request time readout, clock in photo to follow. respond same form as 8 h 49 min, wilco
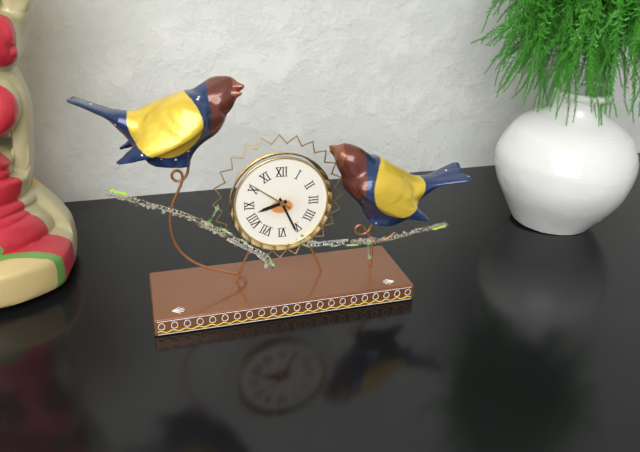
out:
8 h 26 min
